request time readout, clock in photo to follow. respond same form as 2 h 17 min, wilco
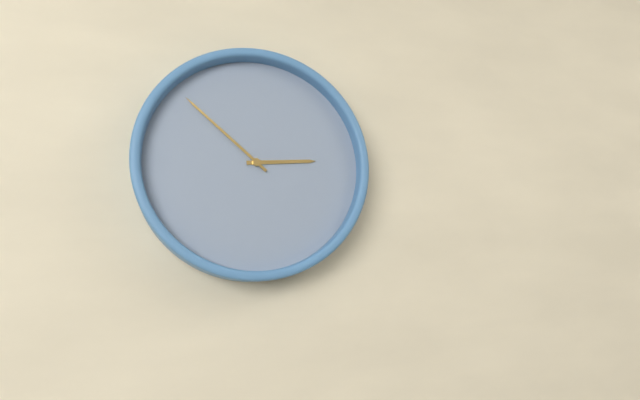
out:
2 h 52 min
